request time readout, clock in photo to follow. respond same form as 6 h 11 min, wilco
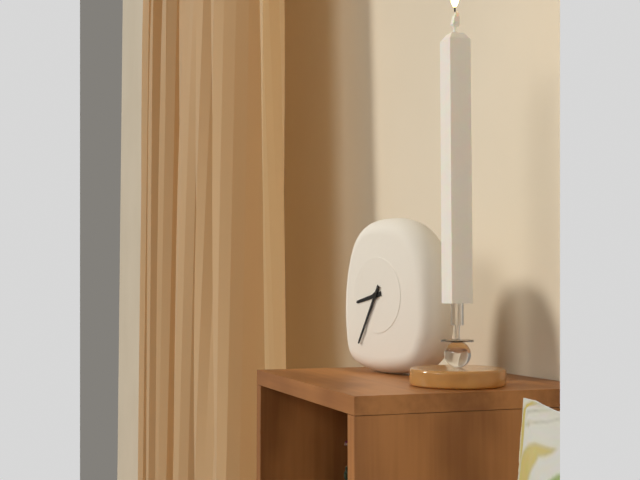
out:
8 h 35 min
